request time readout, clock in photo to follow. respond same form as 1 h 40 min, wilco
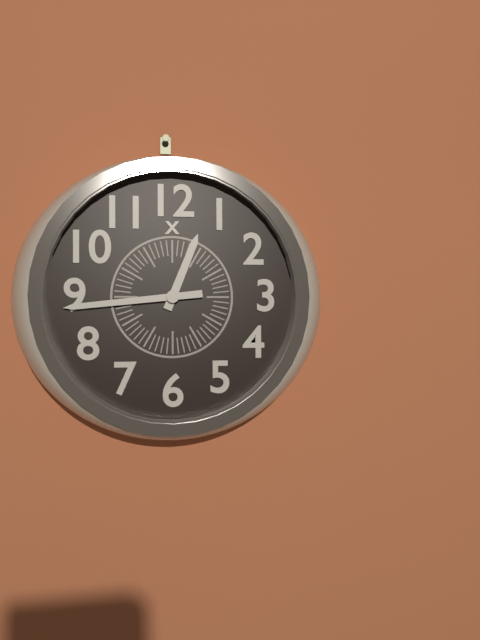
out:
12 h 44 min
